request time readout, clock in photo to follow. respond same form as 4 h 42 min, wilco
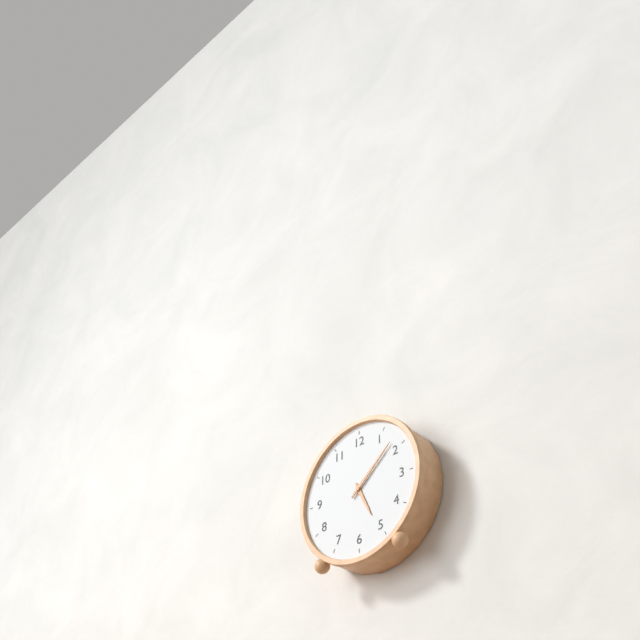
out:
5 h 08 min
